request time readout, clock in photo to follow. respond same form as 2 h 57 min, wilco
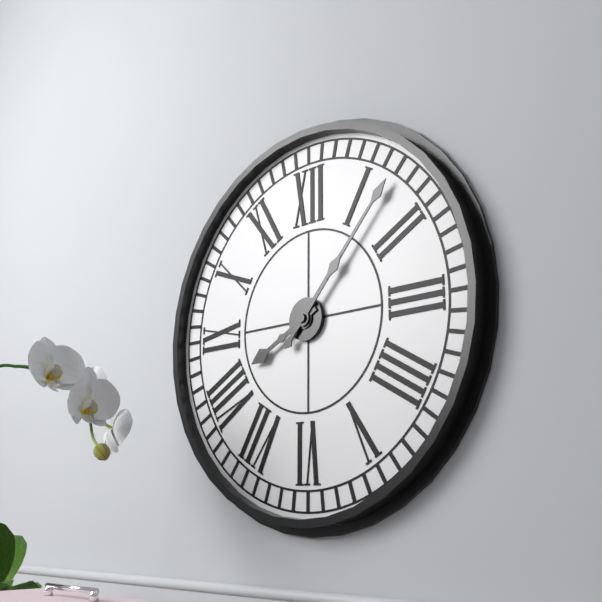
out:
8 h 07 min
